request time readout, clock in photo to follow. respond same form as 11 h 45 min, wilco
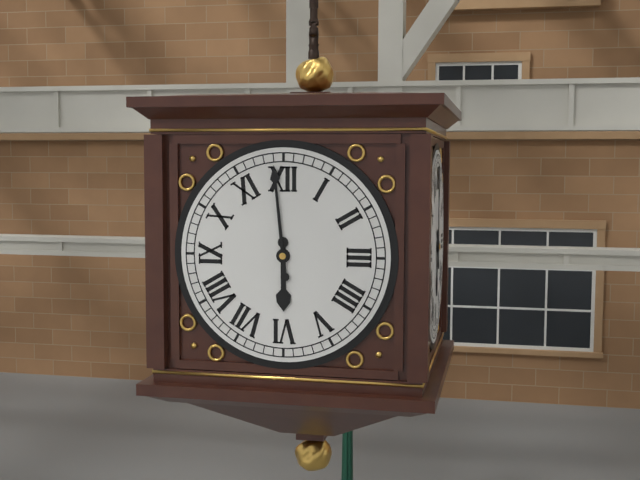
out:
5 h 59 min
